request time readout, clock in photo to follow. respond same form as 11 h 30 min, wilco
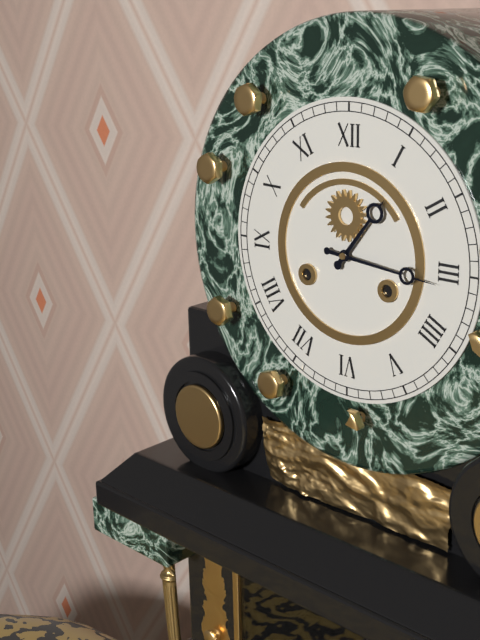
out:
1 h 16 min
